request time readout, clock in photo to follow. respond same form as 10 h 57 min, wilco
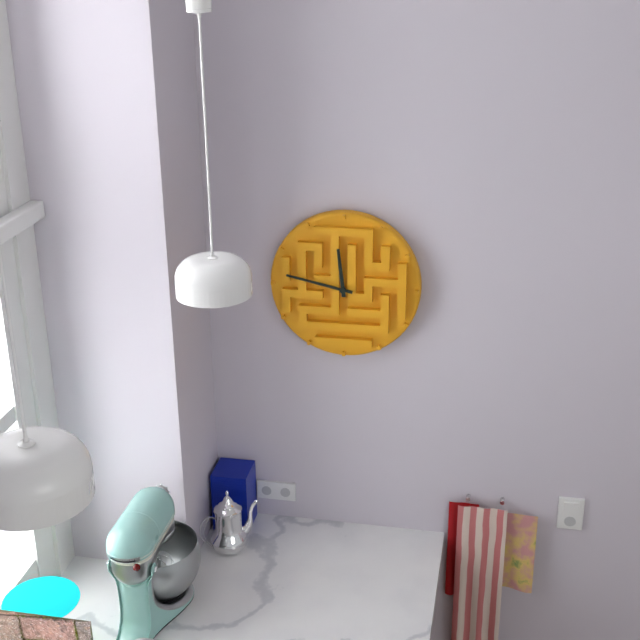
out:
11 h 47 min
